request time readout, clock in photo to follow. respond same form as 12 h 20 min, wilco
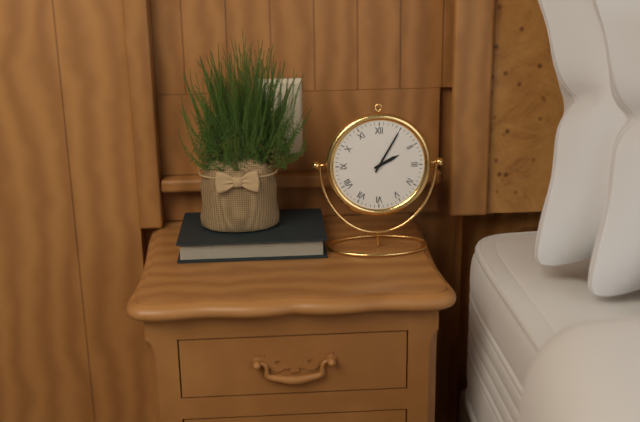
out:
2 h 05 min
